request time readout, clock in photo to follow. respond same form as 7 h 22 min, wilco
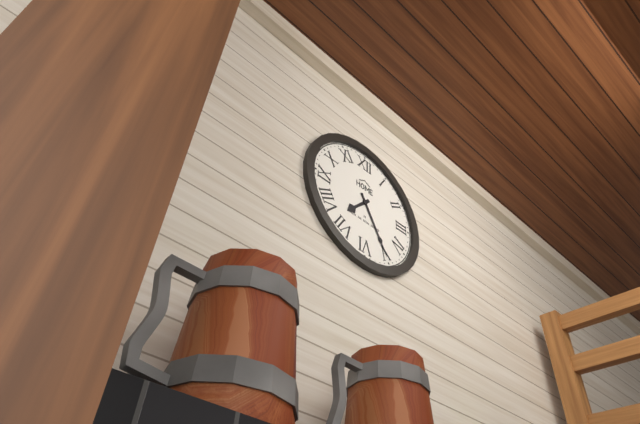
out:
7 h 25 min
